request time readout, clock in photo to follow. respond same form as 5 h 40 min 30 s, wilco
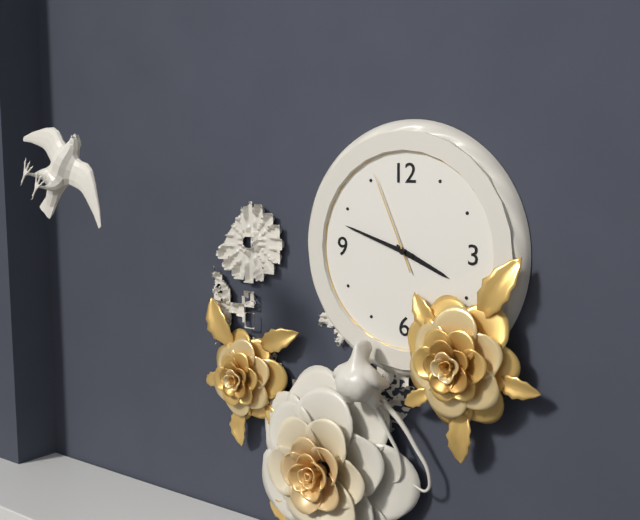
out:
3 h 48 min 56 s
